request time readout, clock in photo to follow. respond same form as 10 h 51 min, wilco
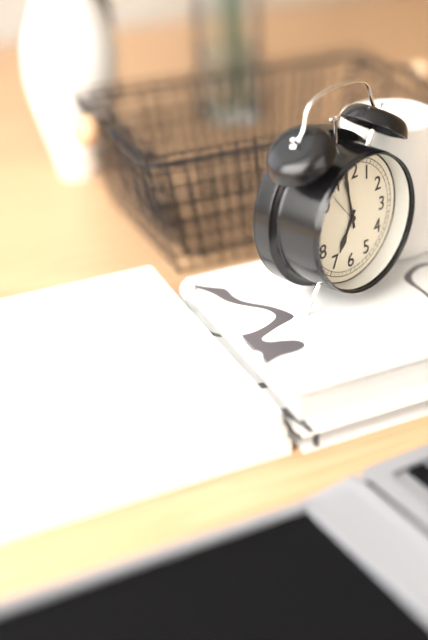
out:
6 h 58 min
